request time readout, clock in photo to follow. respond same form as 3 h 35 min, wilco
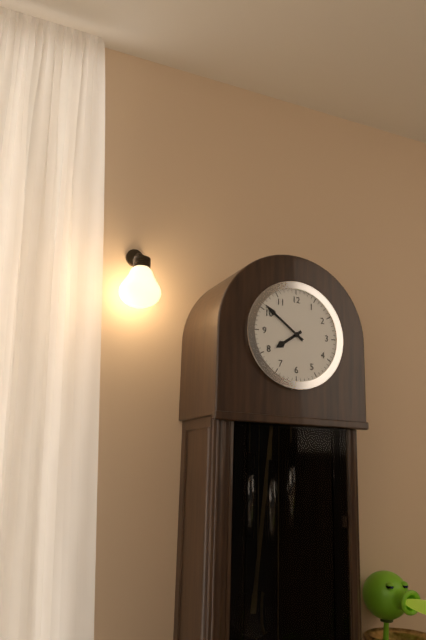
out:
7 h 51 min
